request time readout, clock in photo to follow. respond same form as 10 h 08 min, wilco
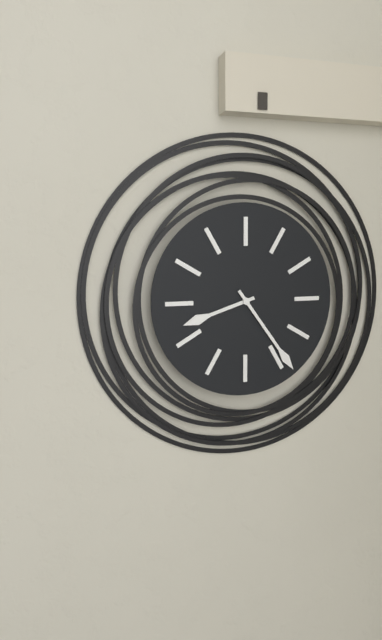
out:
8 h 24 min
